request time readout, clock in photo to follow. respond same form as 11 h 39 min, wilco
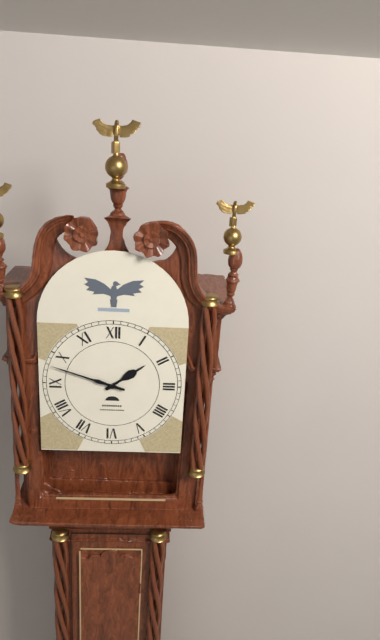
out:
1 h 48 min
